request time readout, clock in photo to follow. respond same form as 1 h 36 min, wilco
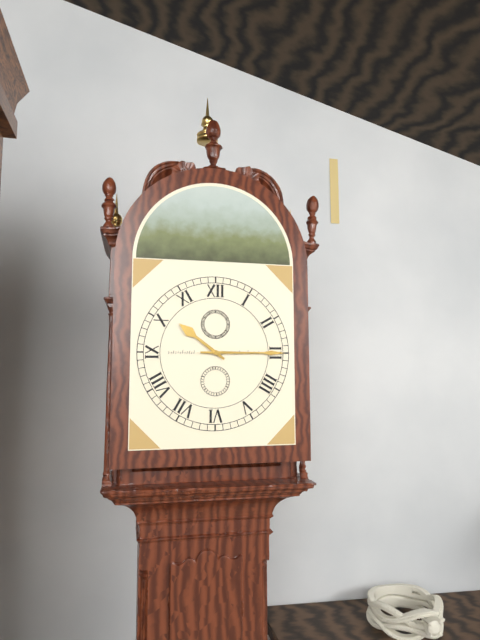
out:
10 h 15 min
